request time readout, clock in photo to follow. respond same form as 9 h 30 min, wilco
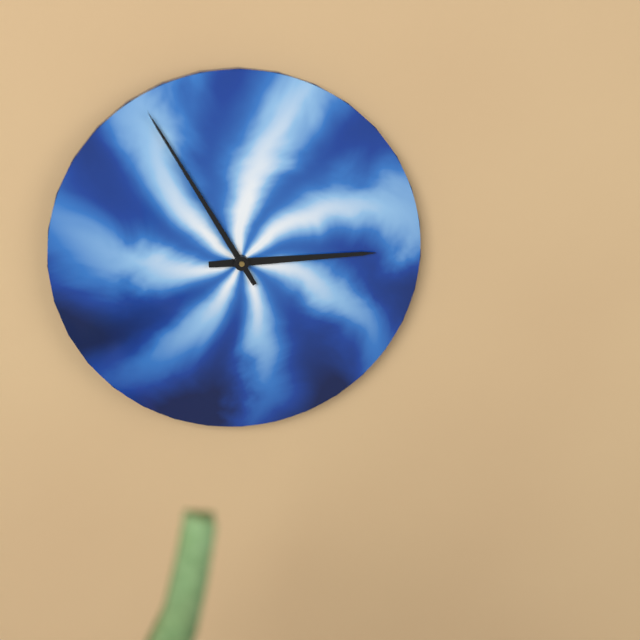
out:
2 h 55 min
